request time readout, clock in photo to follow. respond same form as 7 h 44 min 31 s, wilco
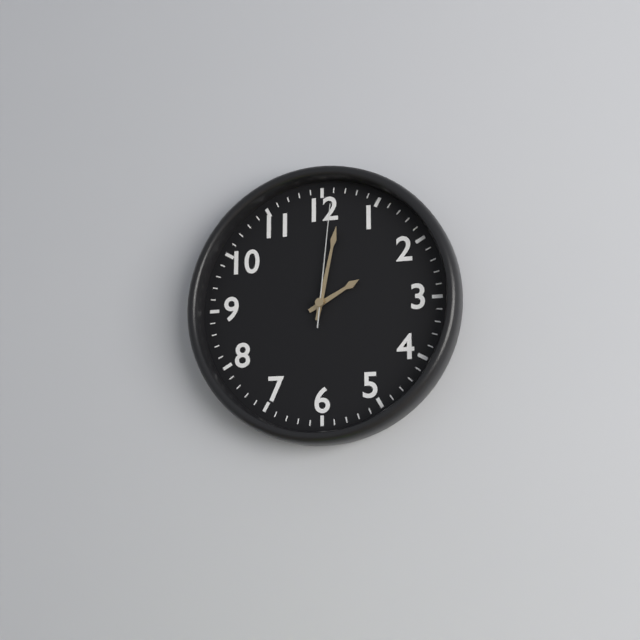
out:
2 h 02 min 01 s
